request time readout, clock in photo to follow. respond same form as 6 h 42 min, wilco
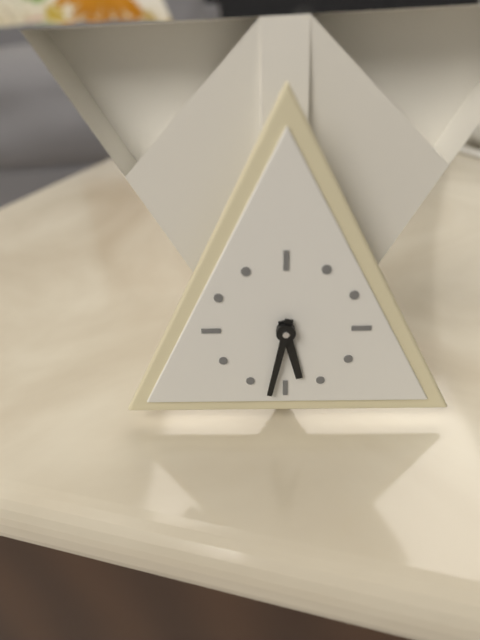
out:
5 h 32 min
